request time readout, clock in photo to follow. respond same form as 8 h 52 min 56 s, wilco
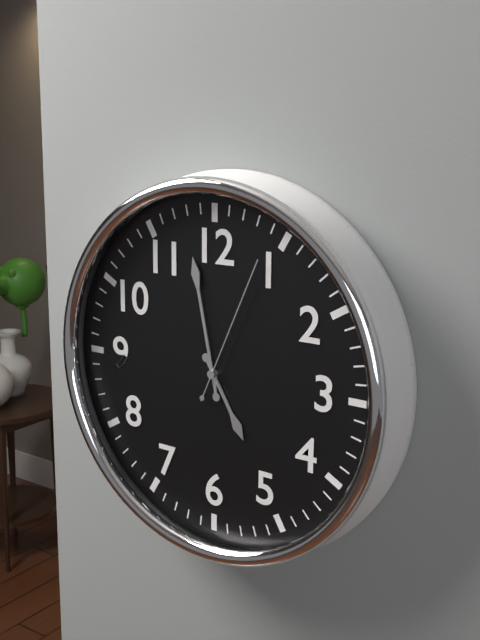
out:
4 h 58 min 04 s
